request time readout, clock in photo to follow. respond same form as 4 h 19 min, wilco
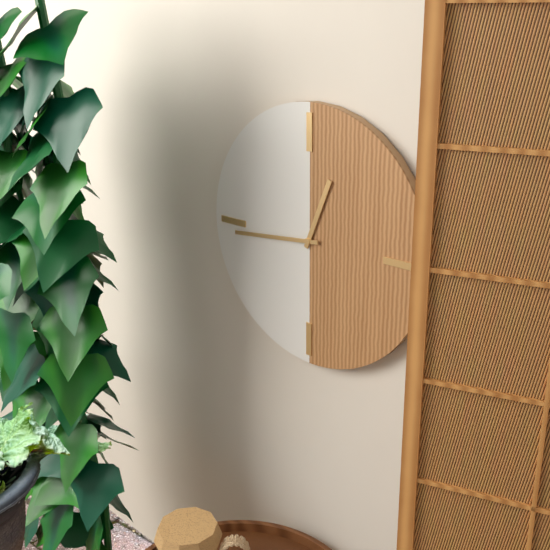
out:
12 h 44 min
